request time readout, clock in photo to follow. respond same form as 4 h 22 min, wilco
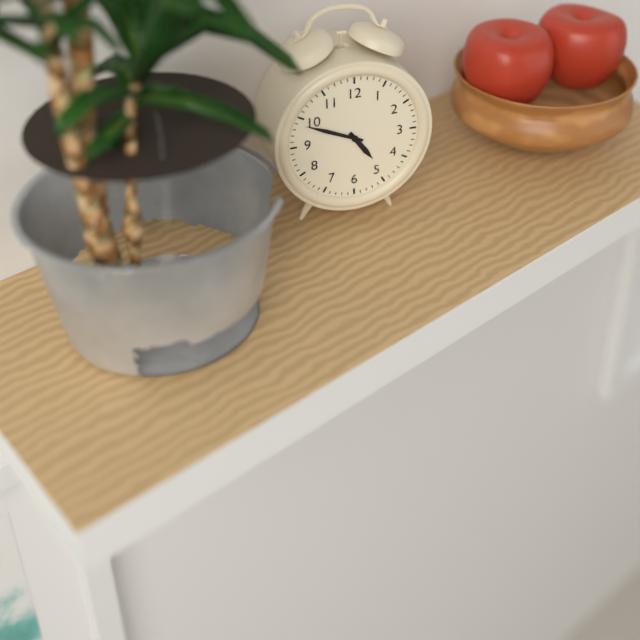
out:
4 h 49 min
